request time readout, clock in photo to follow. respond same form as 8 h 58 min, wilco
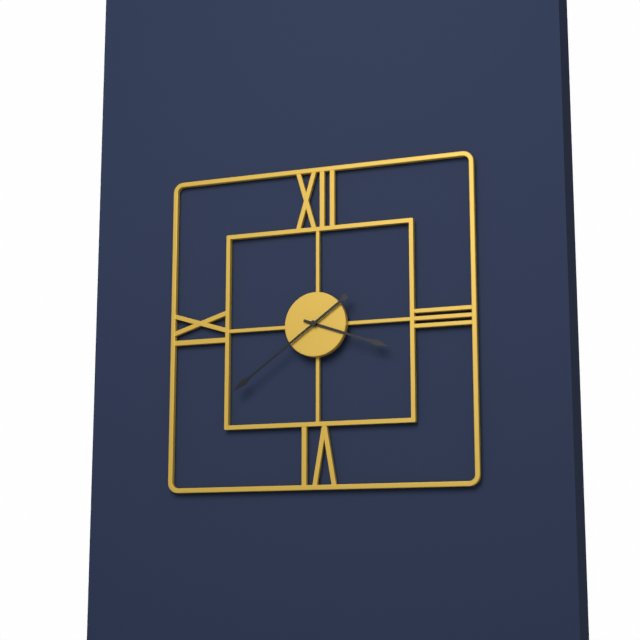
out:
3 h 39 min
